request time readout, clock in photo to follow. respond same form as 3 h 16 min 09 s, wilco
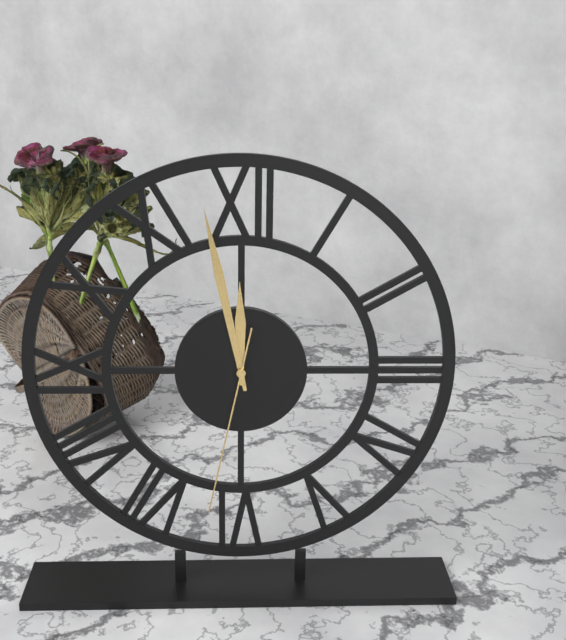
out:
11 h 58 min 32 s
